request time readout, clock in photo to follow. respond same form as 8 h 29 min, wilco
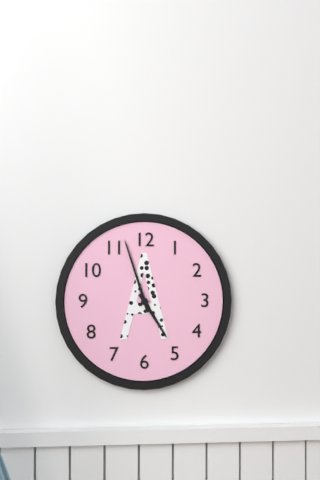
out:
4 h 57 min
